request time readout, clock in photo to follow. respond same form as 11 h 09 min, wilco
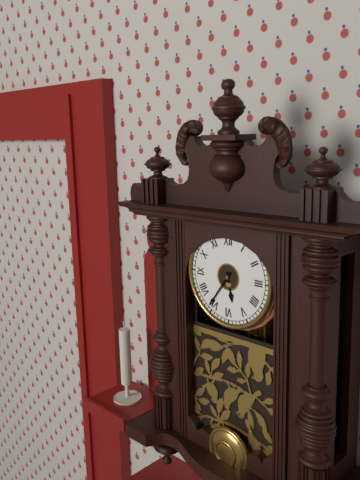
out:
5 h 36 min
